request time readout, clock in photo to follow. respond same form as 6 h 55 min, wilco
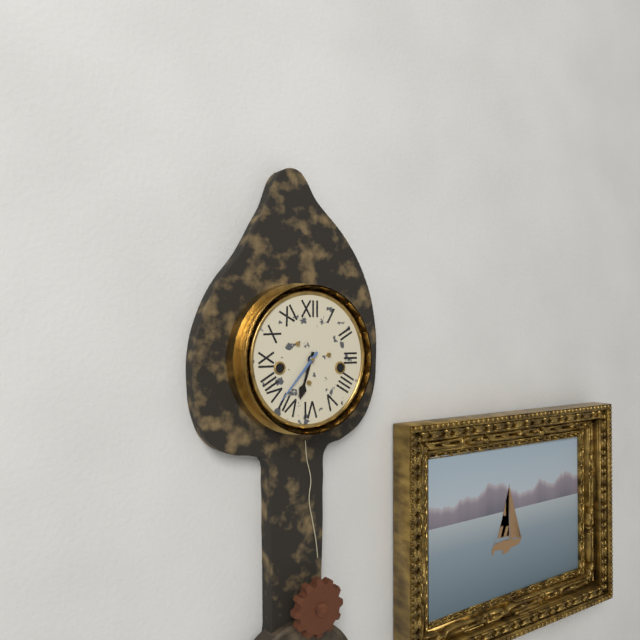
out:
6 h 37 min
